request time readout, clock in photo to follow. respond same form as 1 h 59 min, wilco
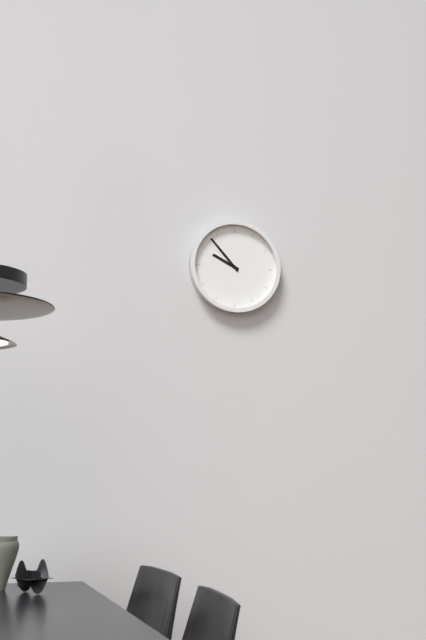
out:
9 h 53 min
